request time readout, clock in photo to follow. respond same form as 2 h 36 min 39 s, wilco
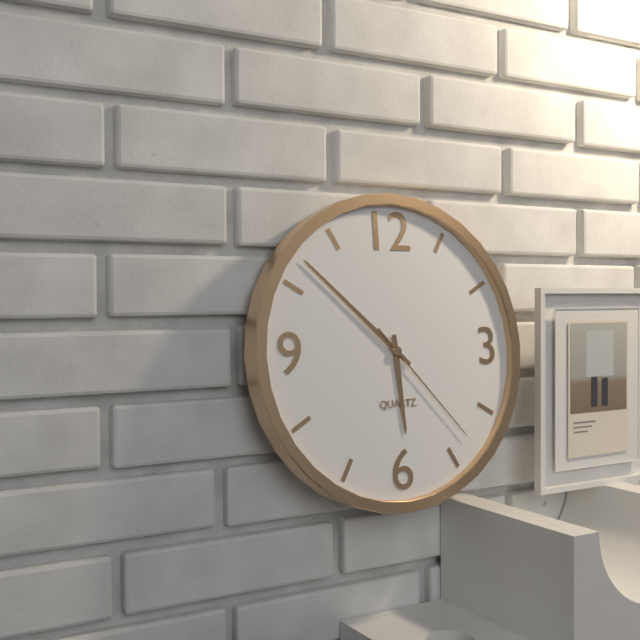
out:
5 h 52 min 23 s
